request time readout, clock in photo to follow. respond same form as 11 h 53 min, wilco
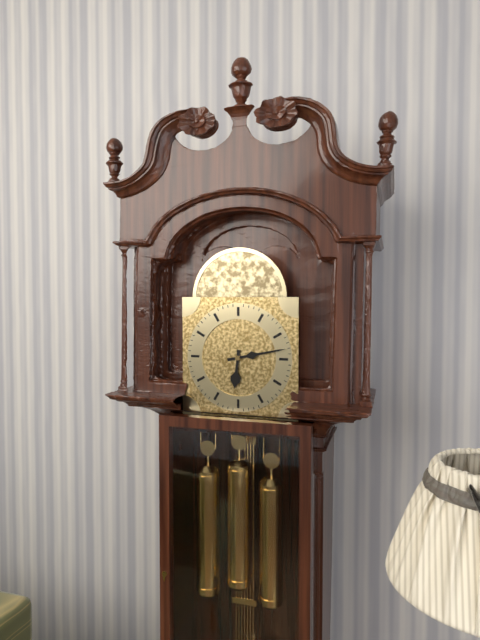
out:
6 h 13 min
